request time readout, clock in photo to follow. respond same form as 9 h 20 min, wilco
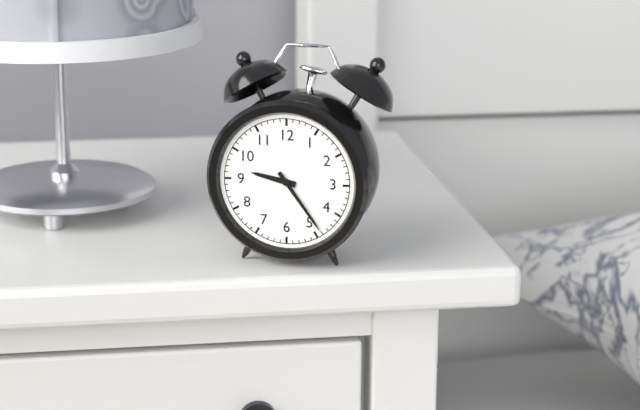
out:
9 h 24 min
